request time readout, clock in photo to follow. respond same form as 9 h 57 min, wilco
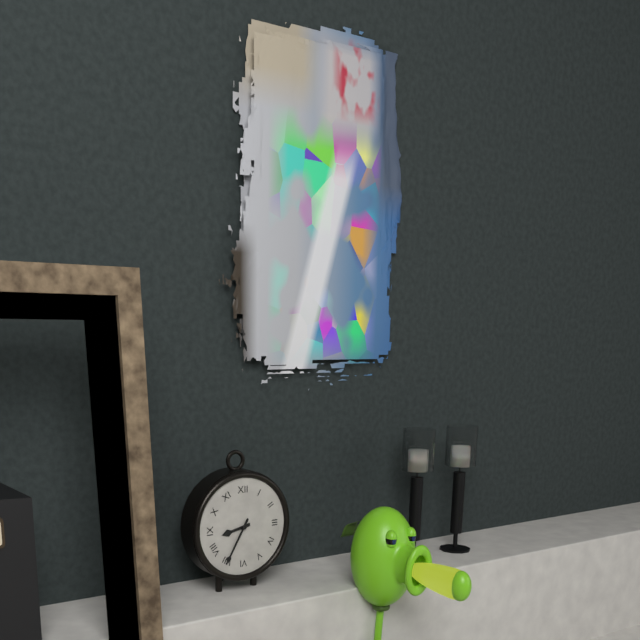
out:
8 h 35 min
